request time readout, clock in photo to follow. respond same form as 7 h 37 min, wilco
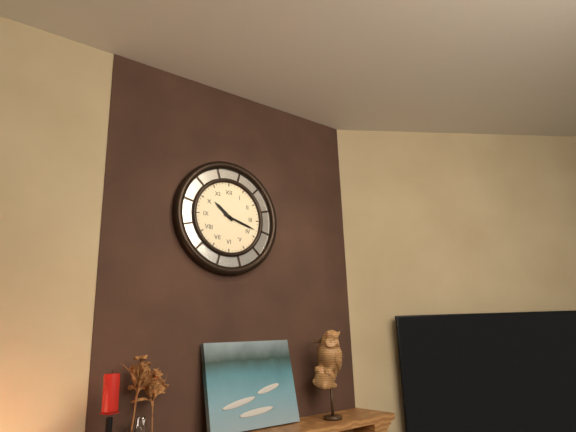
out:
10 h 18 min
